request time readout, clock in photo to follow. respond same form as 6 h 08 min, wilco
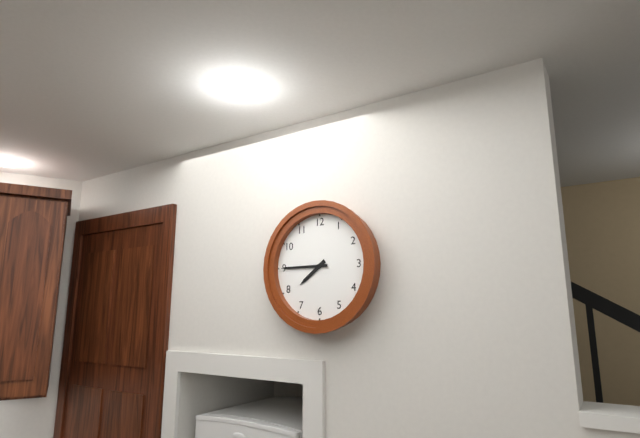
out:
7 h 45 min
